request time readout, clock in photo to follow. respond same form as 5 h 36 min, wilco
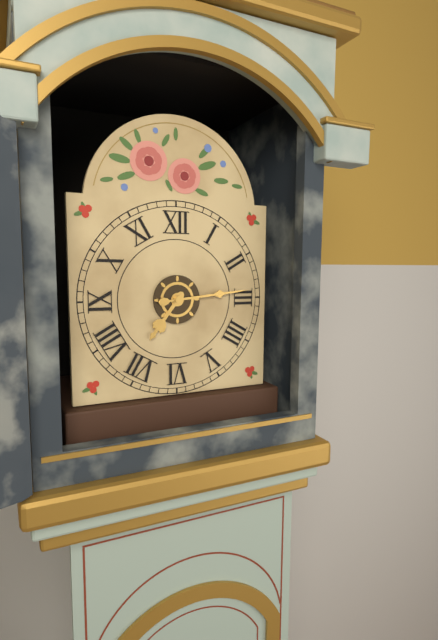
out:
7 h 14 min
